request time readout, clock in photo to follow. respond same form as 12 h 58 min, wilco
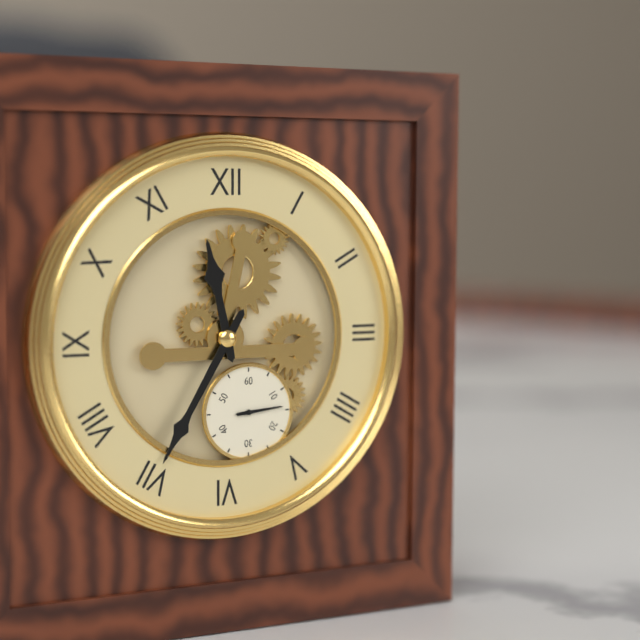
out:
11 h 35 min
